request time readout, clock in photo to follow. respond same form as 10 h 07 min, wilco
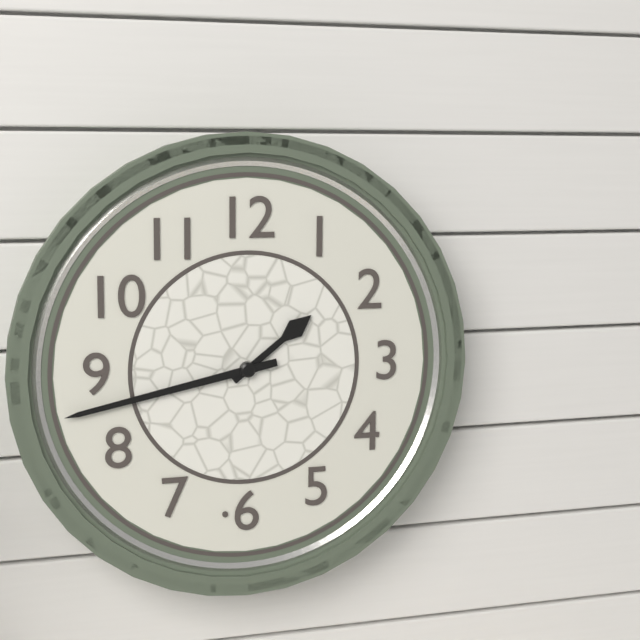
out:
1 h 43 min
